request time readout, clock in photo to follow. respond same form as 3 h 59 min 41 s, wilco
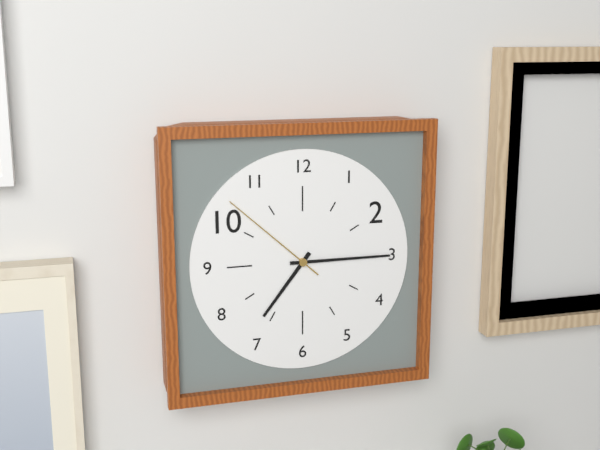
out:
7 h 15 min 52 s
